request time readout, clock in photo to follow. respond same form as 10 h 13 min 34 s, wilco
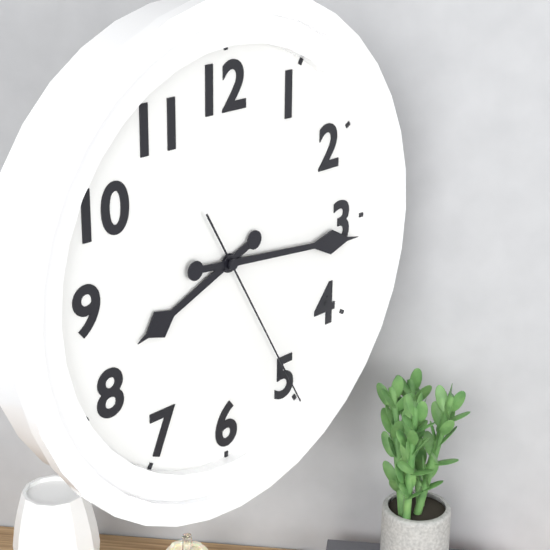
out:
8 h 16 min 25 s
